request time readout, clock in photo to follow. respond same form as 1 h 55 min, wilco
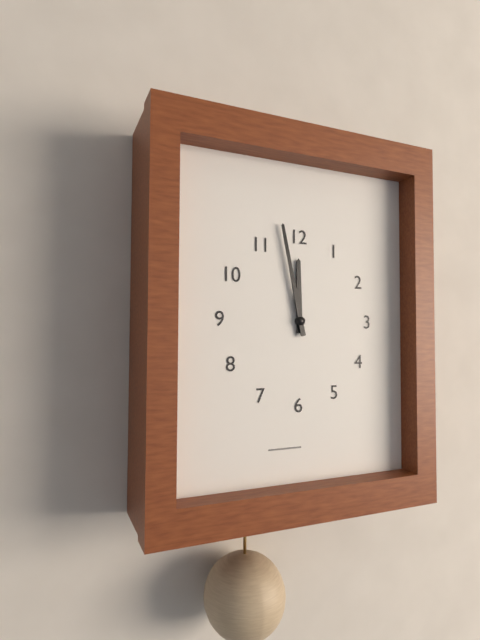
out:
11 h 58 min
